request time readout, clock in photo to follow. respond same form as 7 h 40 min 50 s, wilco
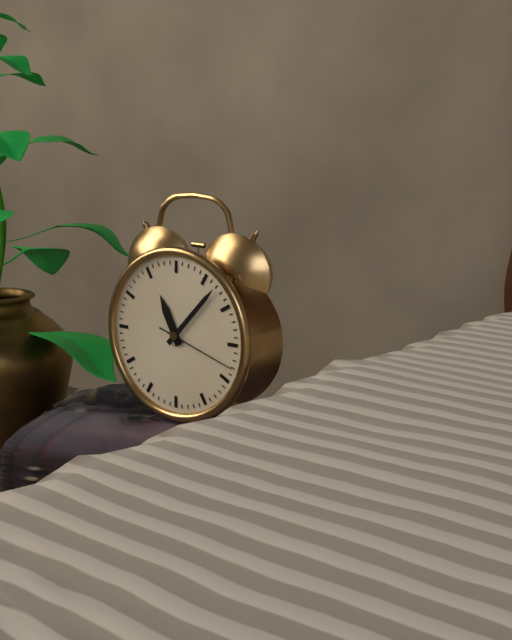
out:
11 h 07 min 18 s
